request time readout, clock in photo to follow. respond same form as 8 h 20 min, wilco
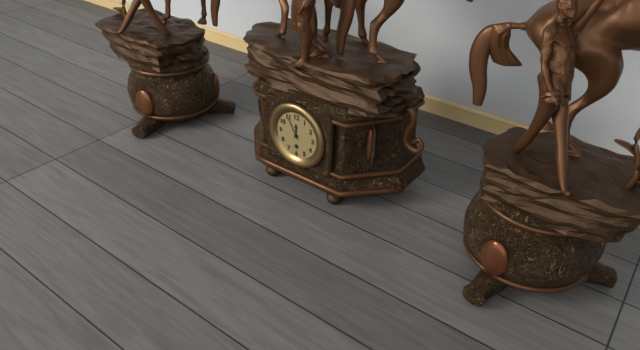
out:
11 h 55 min
